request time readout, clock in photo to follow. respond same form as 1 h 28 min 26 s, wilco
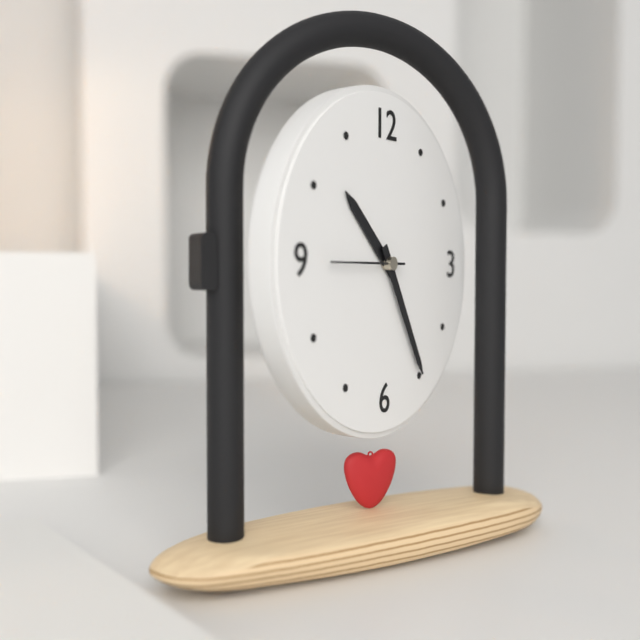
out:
10 h 25 min 45 s
